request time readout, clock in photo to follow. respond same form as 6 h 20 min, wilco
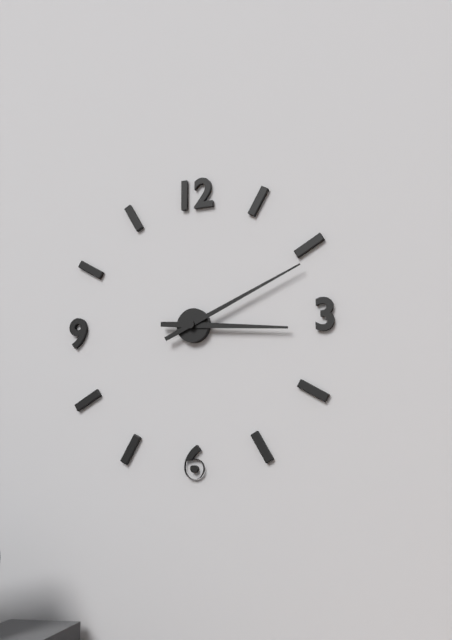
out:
3 h 11 min
